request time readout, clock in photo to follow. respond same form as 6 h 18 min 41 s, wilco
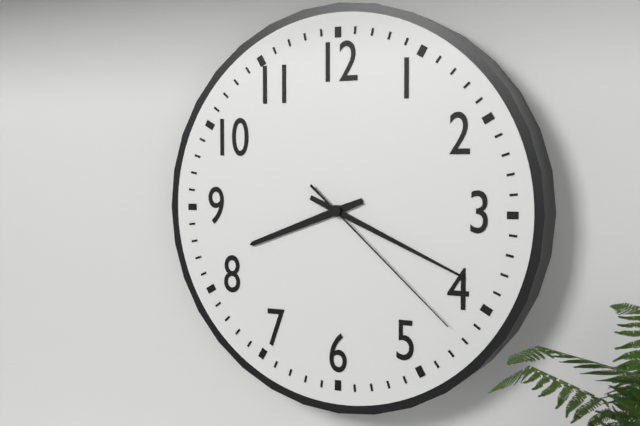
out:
8 h 19 min 22 s
